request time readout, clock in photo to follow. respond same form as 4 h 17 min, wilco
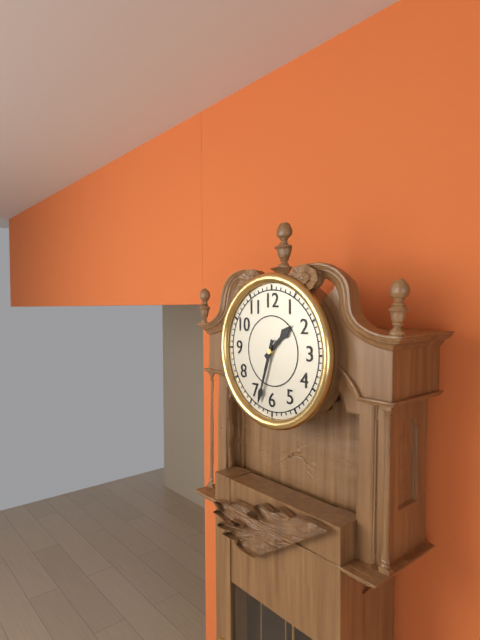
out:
1 h 33 min
